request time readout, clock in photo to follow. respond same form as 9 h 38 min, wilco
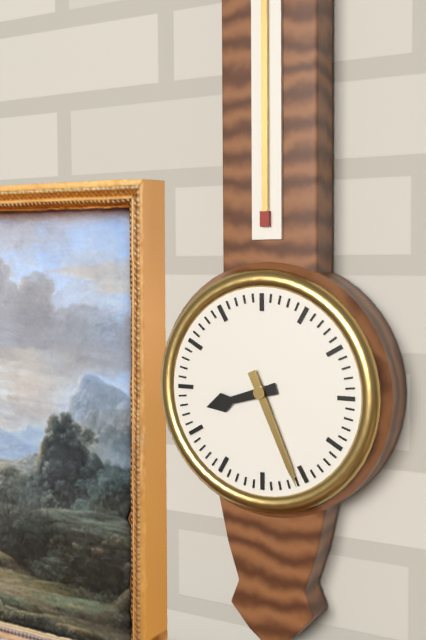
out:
8 h 26 min
